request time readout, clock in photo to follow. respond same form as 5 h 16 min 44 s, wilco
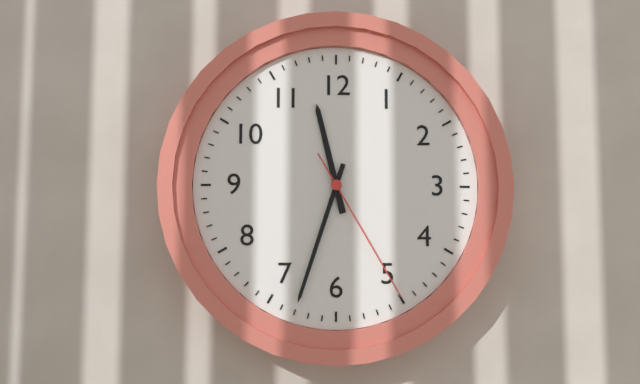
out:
11 h 33 min 25 s
